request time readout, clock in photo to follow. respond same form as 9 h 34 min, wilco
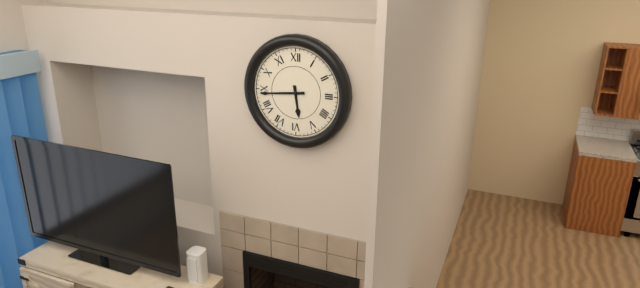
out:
5 h 44 min
